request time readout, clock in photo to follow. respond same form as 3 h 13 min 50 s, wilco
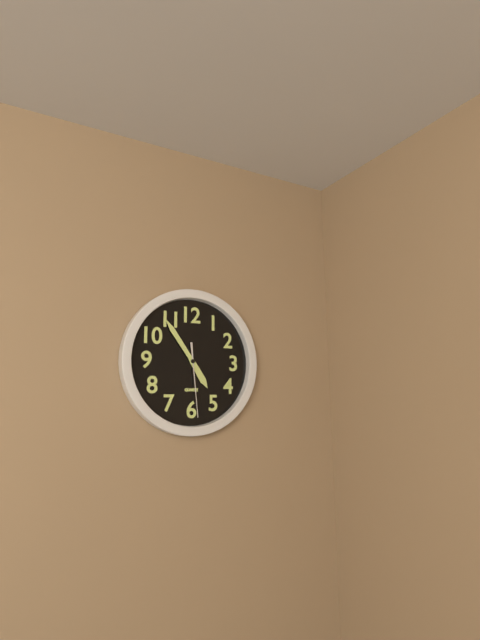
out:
4 h 54 min 29 s
